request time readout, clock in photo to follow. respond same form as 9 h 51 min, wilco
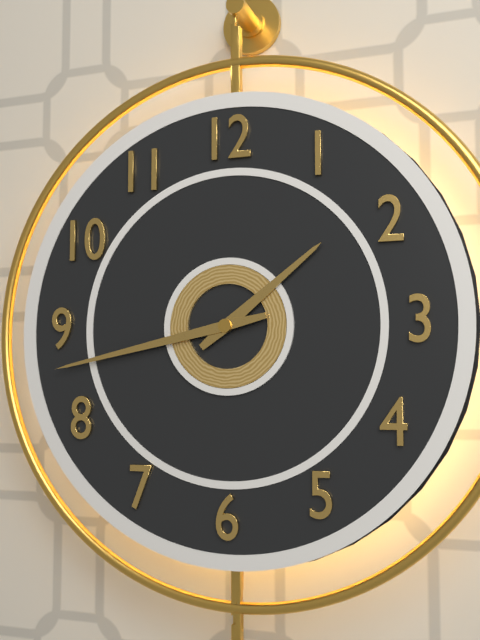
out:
1 h 43 min
